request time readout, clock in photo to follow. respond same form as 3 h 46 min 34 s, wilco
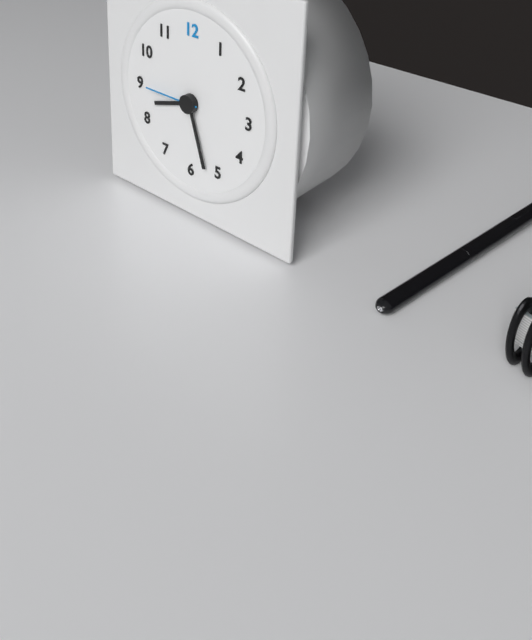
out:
8 h 27 min 45 s
